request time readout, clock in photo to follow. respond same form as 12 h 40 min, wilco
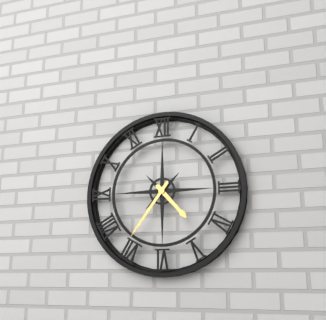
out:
4 h 36 min
